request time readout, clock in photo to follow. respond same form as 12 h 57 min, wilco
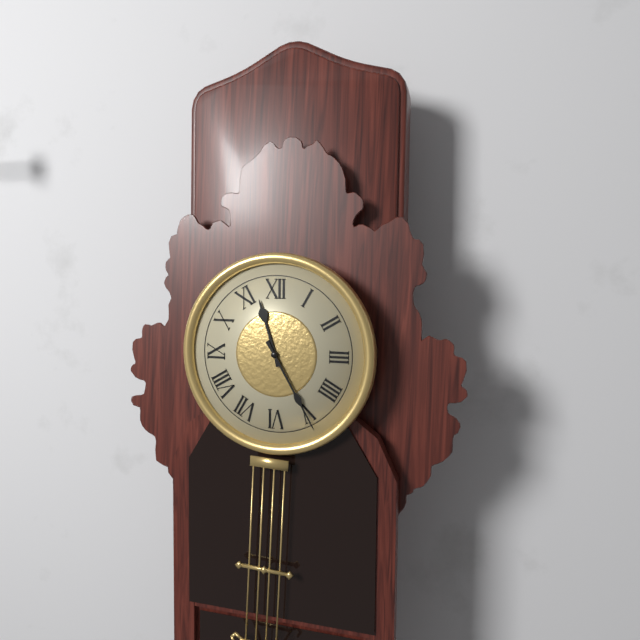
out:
11 h 25 min
